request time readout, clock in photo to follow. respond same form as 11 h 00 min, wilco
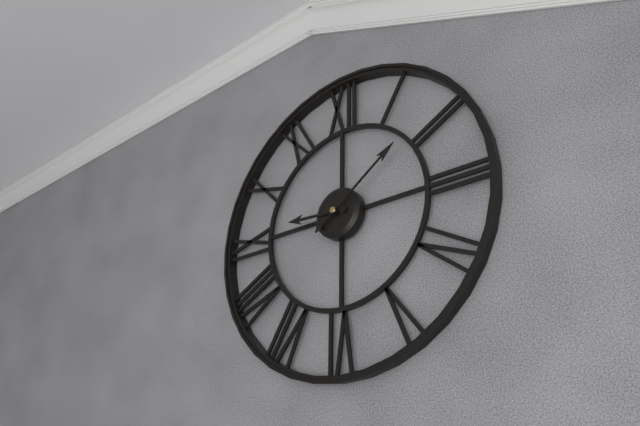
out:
9 h 09 min
